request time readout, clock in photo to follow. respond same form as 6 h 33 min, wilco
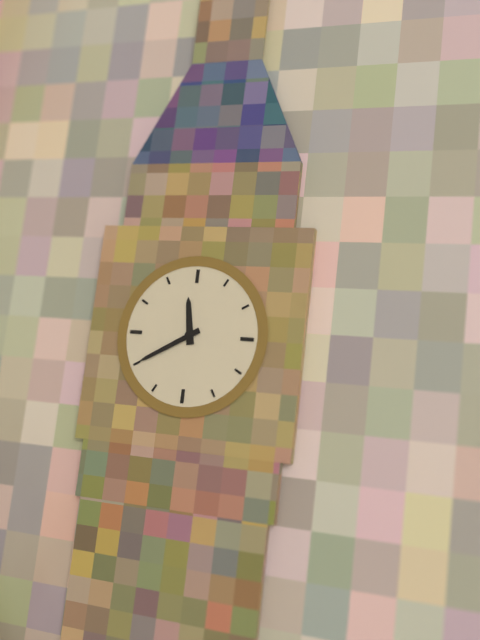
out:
11 h 40 min
